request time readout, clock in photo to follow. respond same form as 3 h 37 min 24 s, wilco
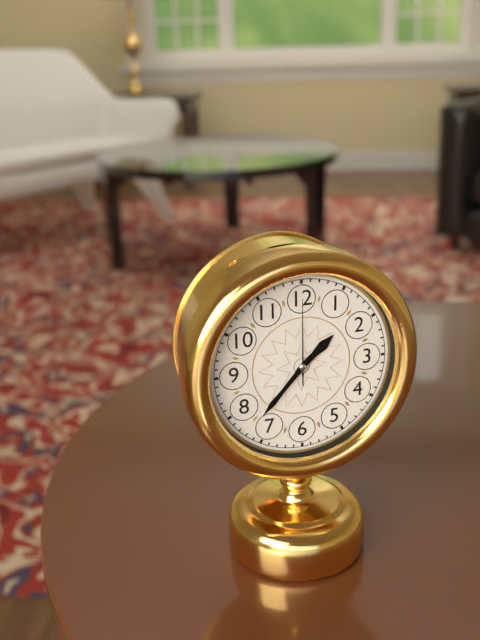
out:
1 h 37 min 00 s
